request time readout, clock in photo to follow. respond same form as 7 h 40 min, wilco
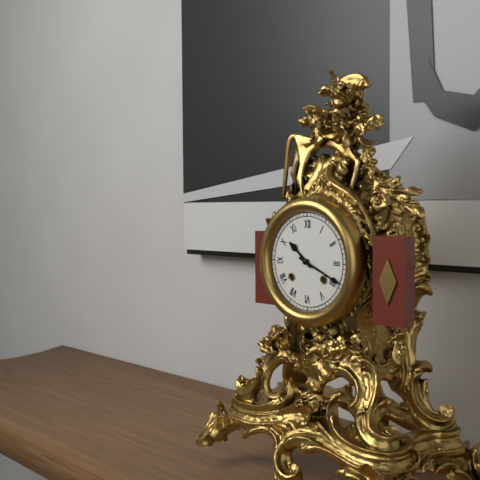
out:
10 h 19 min
